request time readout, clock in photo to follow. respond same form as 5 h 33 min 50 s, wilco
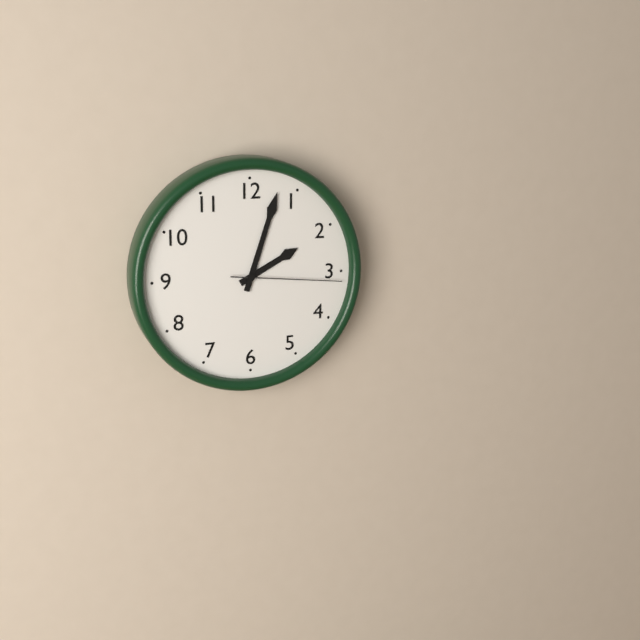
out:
2 h 03 min 16 s
